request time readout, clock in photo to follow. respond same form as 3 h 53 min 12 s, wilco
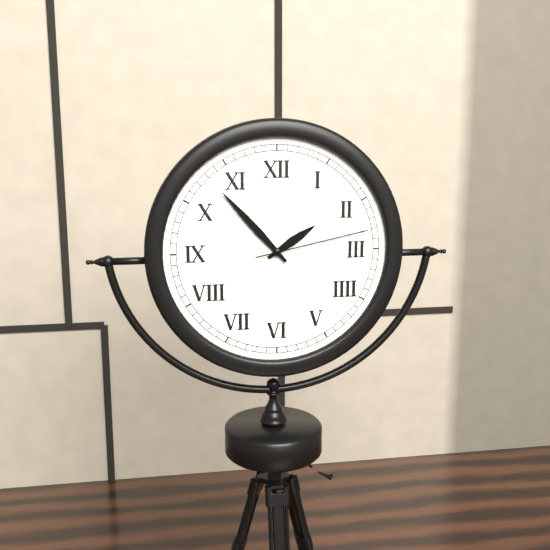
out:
1 h 53 min 13 s
